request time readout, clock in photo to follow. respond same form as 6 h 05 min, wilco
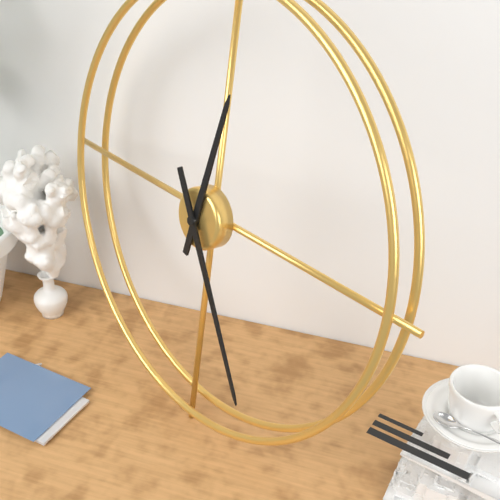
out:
12 h 25 min
